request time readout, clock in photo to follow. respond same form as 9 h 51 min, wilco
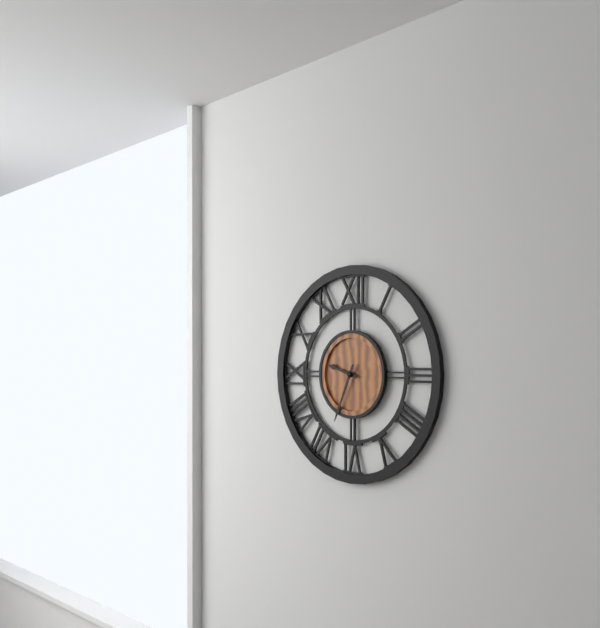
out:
9 h 34 min
